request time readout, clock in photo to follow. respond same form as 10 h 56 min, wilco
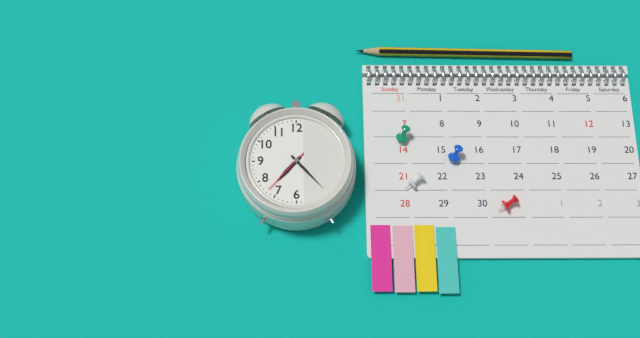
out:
7 h 23 min
